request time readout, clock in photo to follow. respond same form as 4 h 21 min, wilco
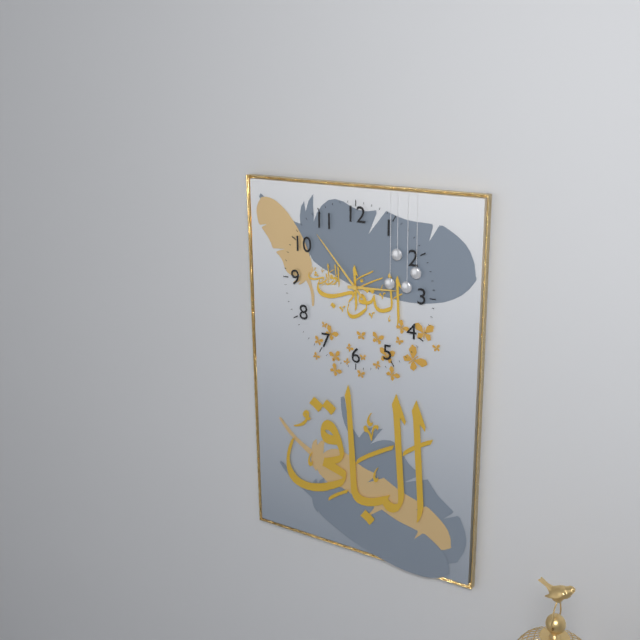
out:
2 h 53 min
